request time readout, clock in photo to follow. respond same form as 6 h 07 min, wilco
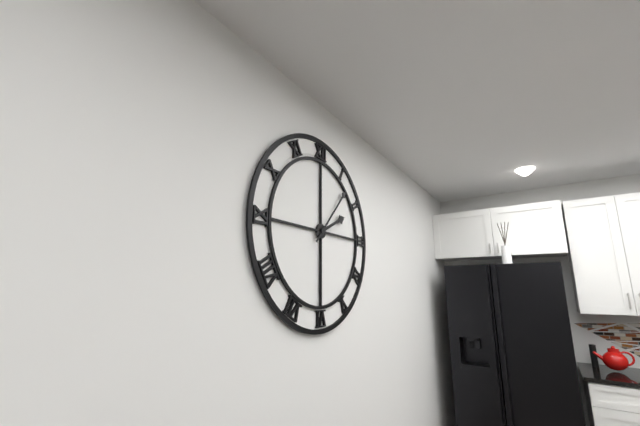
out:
2 h 07 min
